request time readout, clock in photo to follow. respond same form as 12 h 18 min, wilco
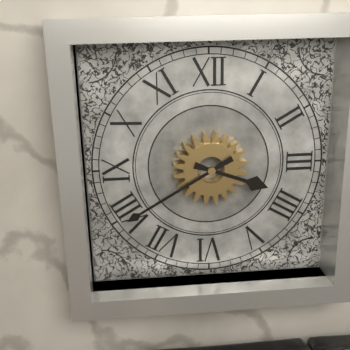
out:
3 h 40 min
